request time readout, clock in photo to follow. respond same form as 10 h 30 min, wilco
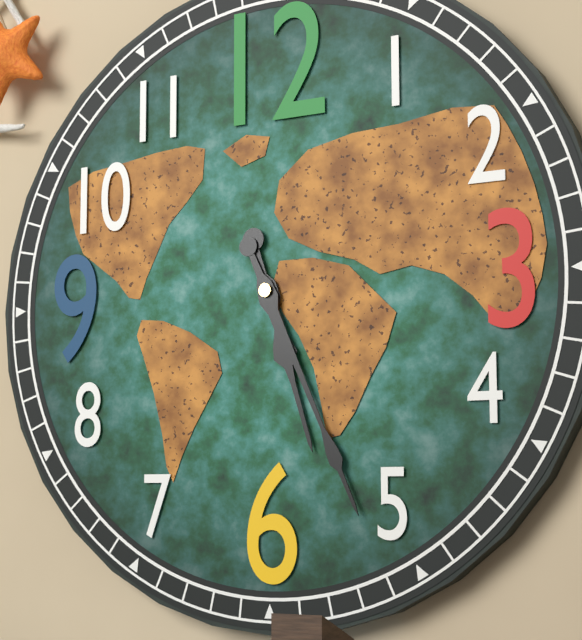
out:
5 h 26 min
